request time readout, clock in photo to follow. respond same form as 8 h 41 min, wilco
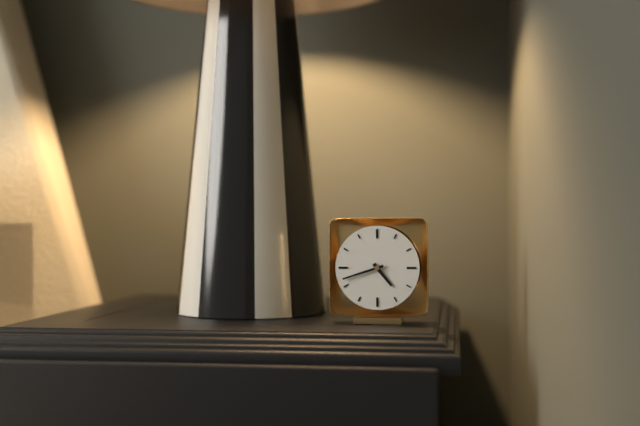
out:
4 h 42 min
